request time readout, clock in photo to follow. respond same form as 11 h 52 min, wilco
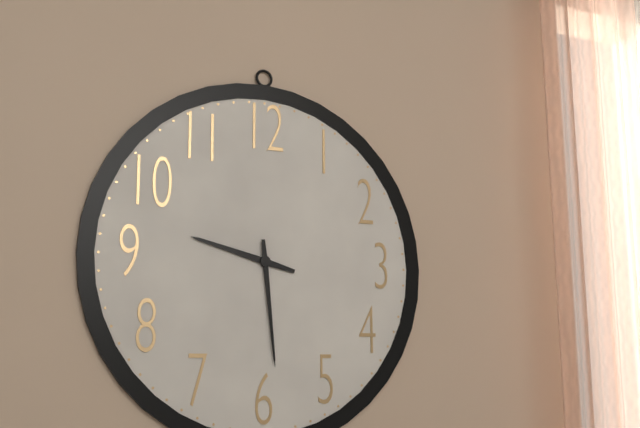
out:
9 h 29 min
